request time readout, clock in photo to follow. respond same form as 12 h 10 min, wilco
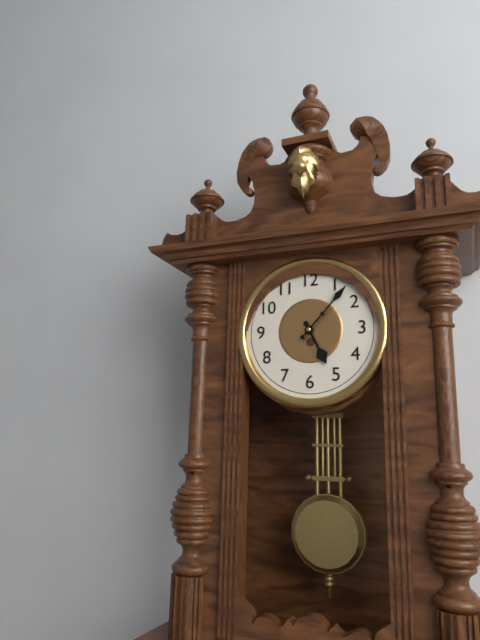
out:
5 h 07 min
